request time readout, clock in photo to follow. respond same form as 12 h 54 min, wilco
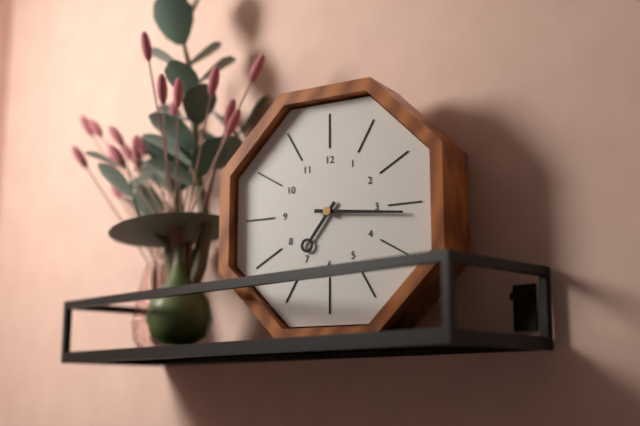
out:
7 h 16 min
